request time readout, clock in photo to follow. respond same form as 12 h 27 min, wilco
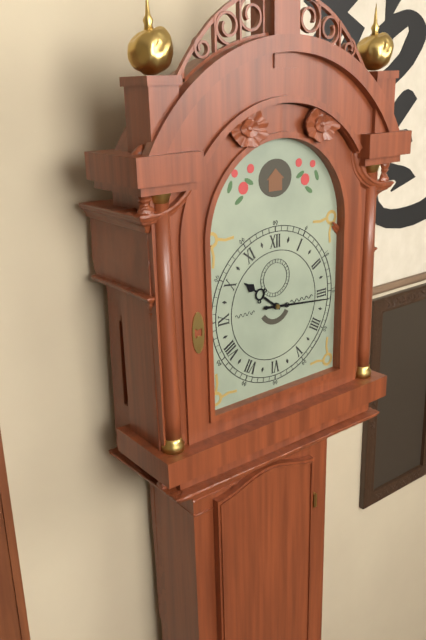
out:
10 h 16 min
